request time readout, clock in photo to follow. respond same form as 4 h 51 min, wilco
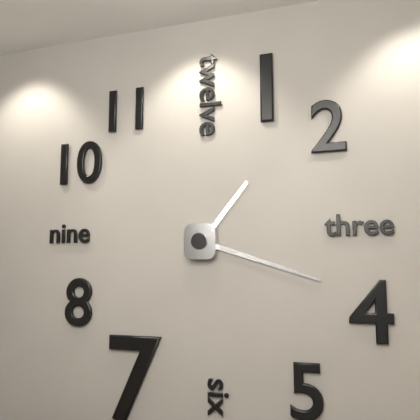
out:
1 h 18 min
